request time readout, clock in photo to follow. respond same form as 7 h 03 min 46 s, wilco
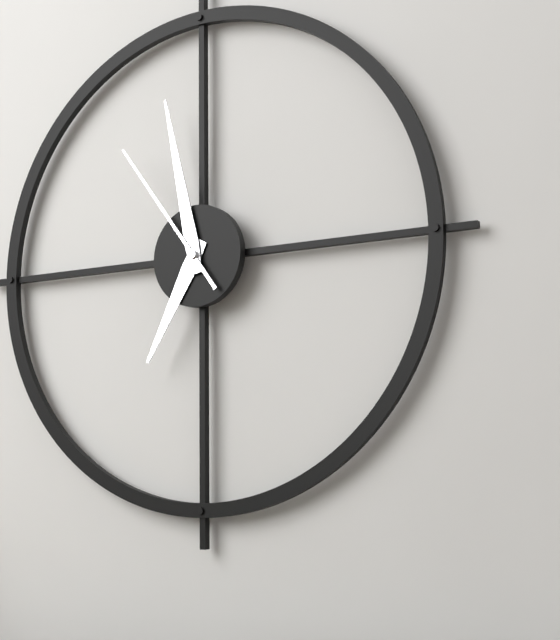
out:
6 h 58 min 54 s
